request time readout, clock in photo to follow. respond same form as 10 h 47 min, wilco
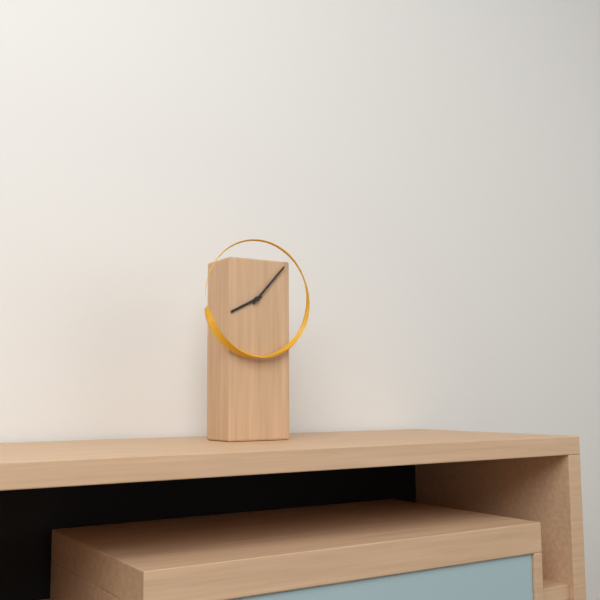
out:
8 h 07 min
